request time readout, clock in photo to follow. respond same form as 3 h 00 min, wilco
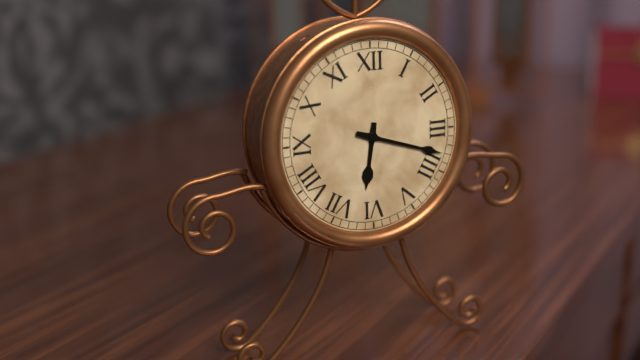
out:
6 h 18 min
